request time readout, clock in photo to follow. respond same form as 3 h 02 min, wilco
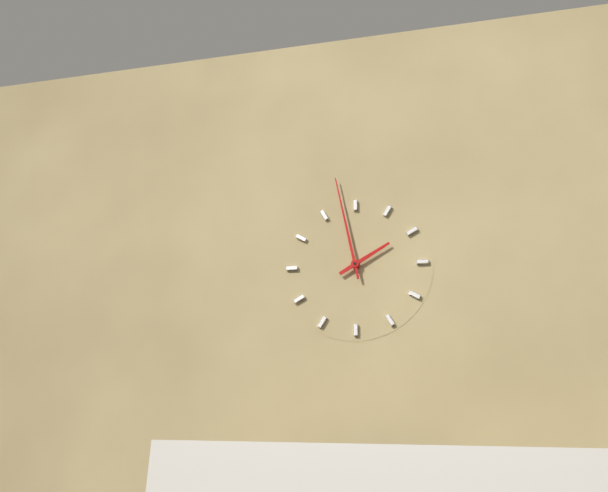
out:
1 h 58 min
